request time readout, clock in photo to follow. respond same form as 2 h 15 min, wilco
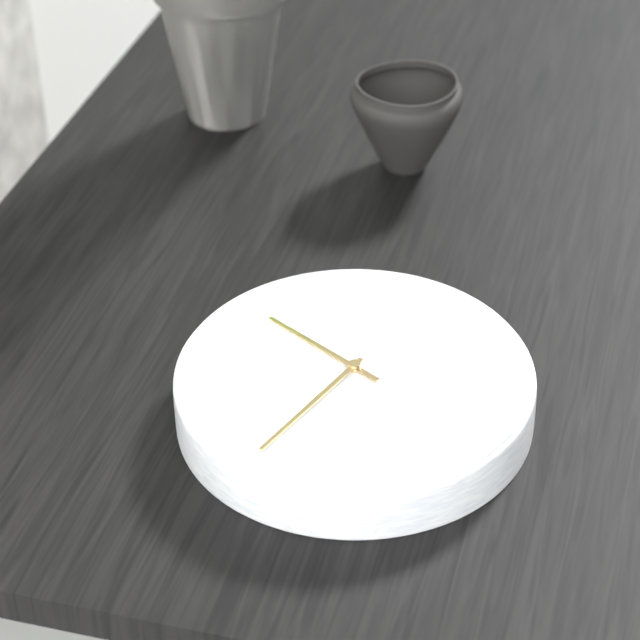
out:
11 h 42 min
